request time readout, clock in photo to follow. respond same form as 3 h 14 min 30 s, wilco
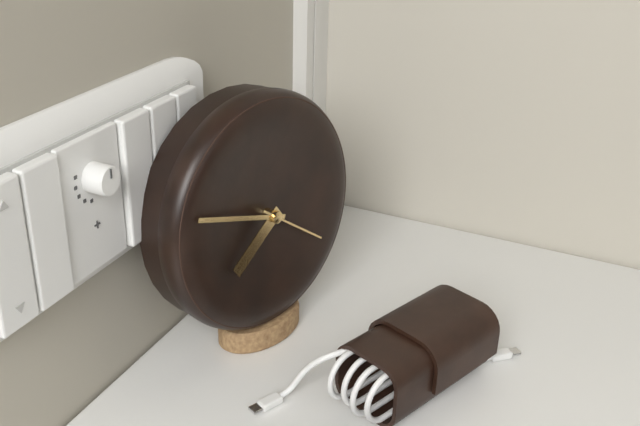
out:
7 h 48 min 21 s
